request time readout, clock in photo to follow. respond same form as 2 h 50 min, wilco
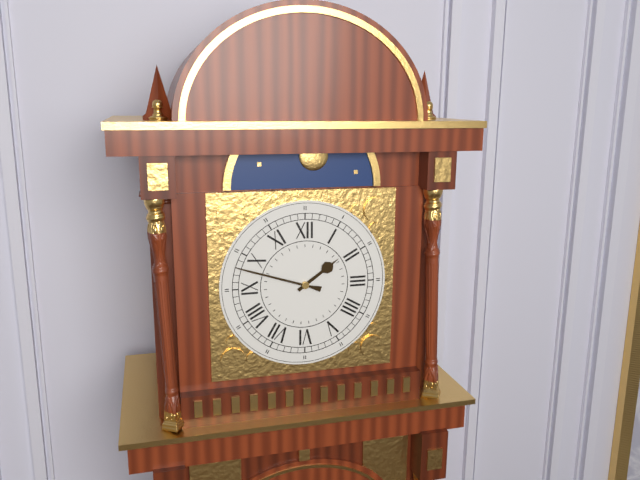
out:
1 h 48 min
